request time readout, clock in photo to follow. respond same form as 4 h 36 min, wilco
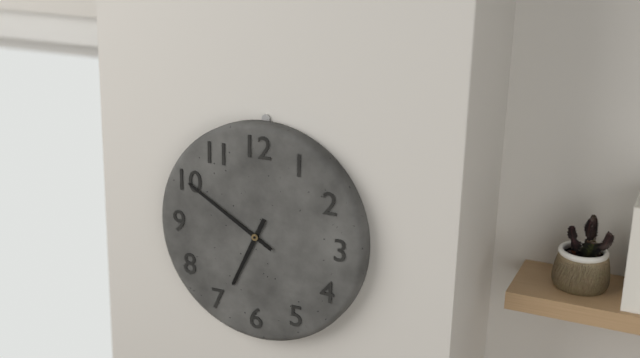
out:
6 h 50 min
